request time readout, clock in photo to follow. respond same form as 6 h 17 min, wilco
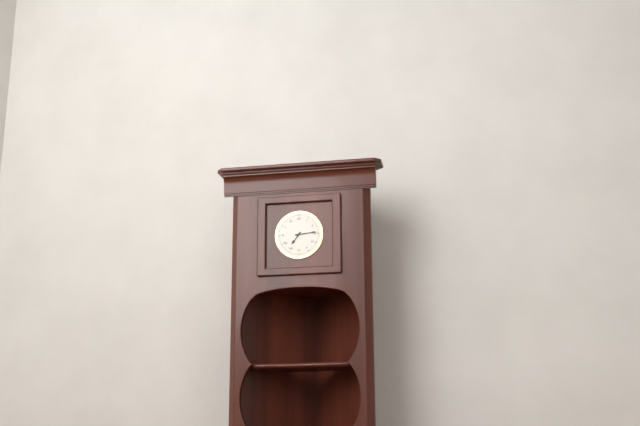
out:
7 h 14 min
